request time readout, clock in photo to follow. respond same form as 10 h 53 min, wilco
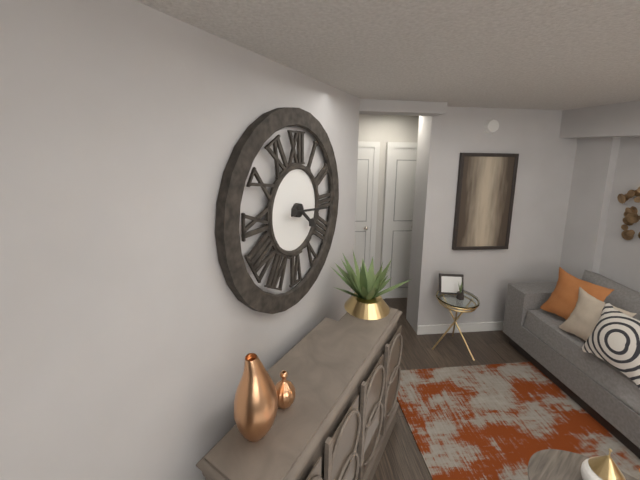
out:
4 h 16 min
